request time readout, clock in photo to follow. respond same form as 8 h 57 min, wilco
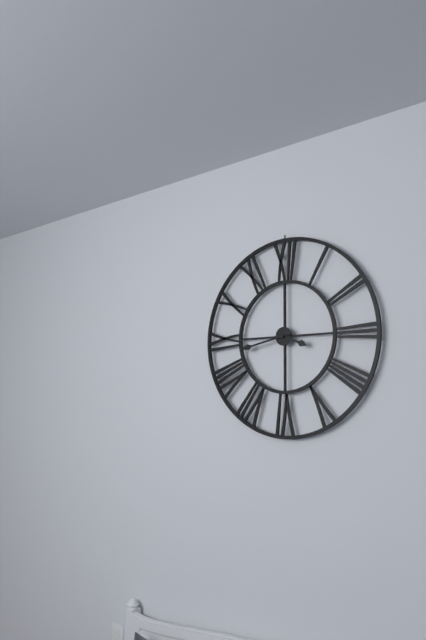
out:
3 h 43 min
